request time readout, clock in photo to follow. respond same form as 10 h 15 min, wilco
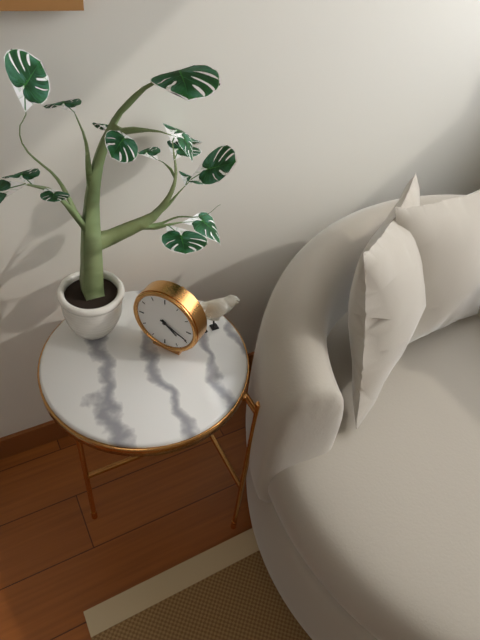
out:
4 h 19 min
